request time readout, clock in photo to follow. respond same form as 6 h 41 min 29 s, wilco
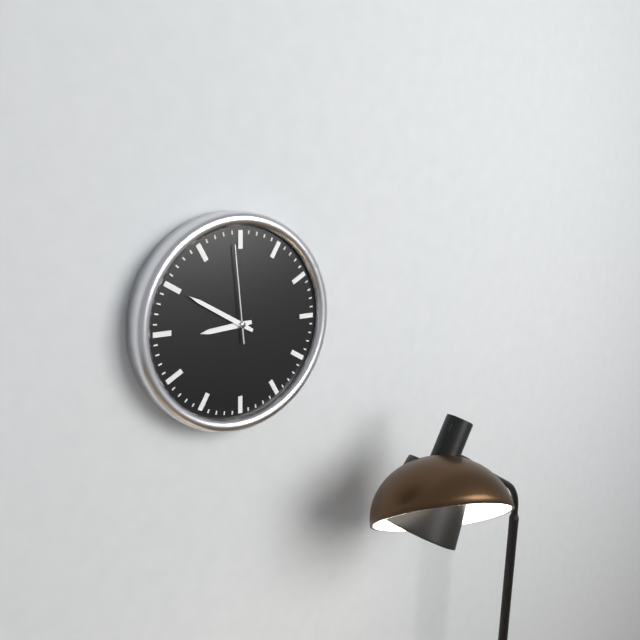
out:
8 h 50 min 59 s
